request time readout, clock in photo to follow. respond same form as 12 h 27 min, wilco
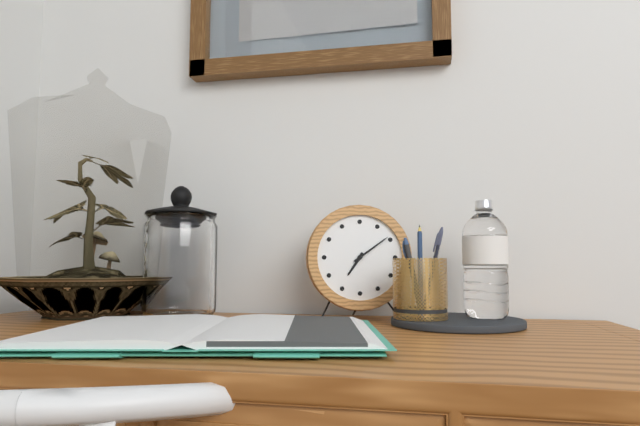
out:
7 h 09 min
